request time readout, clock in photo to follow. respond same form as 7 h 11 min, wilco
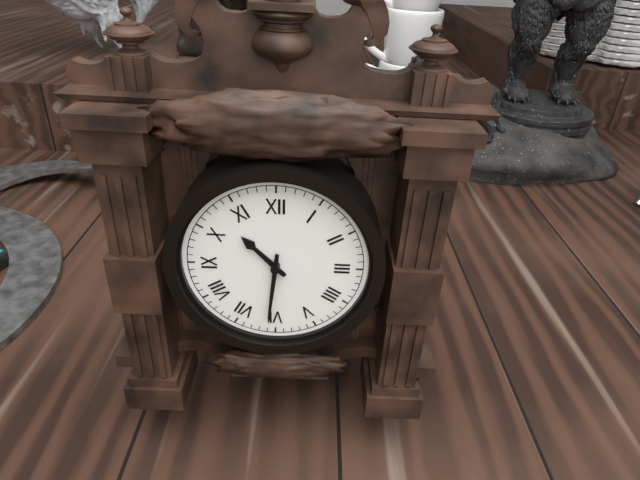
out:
10 h 31 min
